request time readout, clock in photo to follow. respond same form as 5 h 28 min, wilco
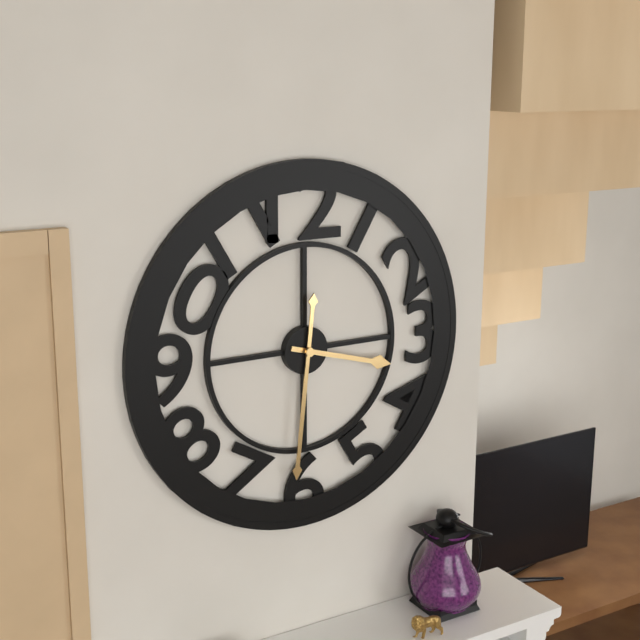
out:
3 h 31 min
